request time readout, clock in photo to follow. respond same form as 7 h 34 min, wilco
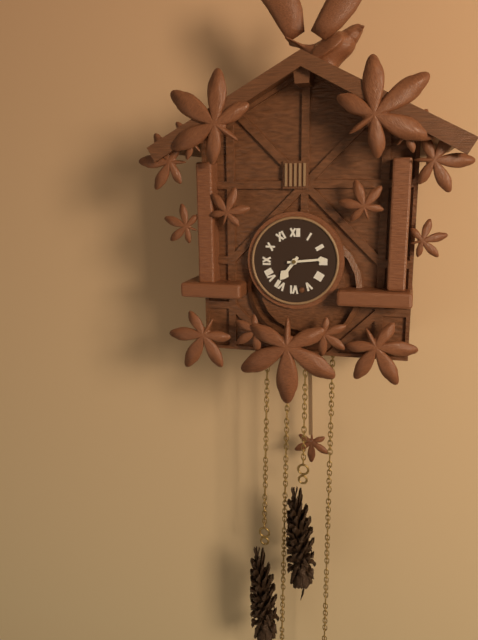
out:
7 h 14 min
